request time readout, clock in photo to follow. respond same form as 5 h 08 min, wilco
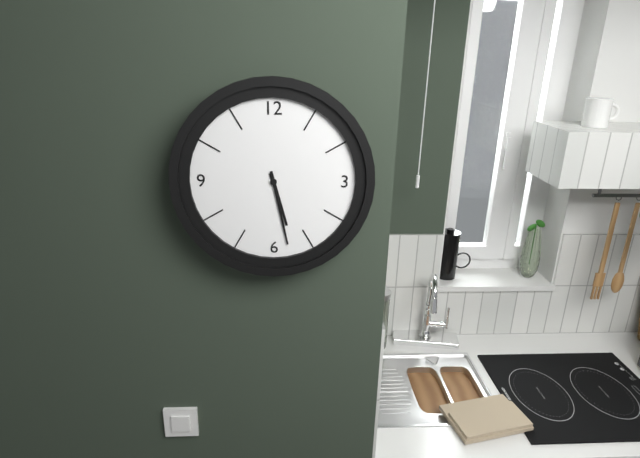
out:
5 h 28 min
